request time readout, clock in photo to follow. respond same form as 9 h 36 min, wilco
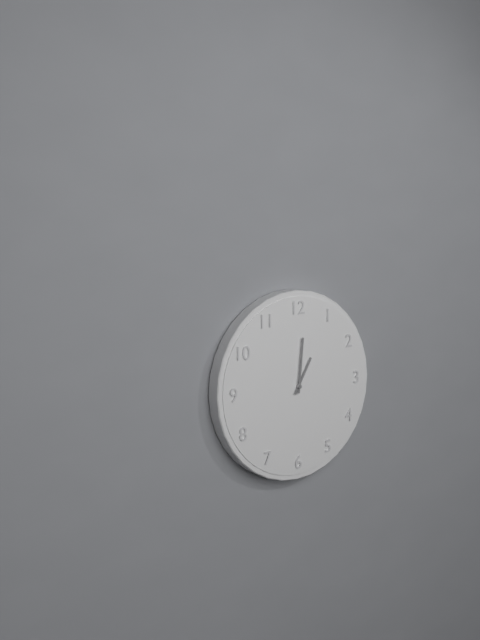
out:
1 h 01 min
